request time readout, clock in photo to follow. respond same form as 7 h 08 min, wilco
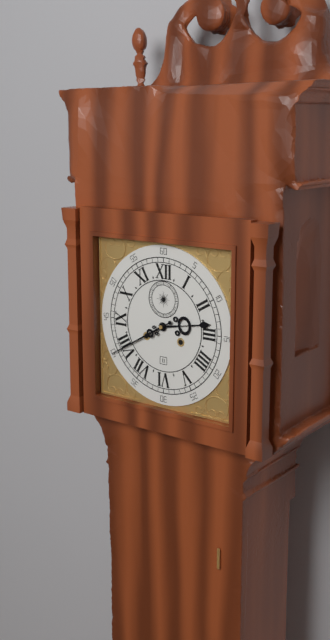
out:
2 h 40 min
